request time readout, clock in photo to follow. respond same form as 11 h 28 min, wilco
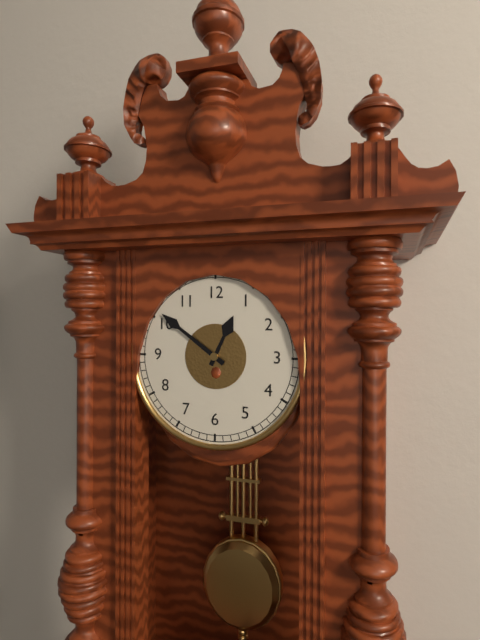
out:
12 h 51 min
